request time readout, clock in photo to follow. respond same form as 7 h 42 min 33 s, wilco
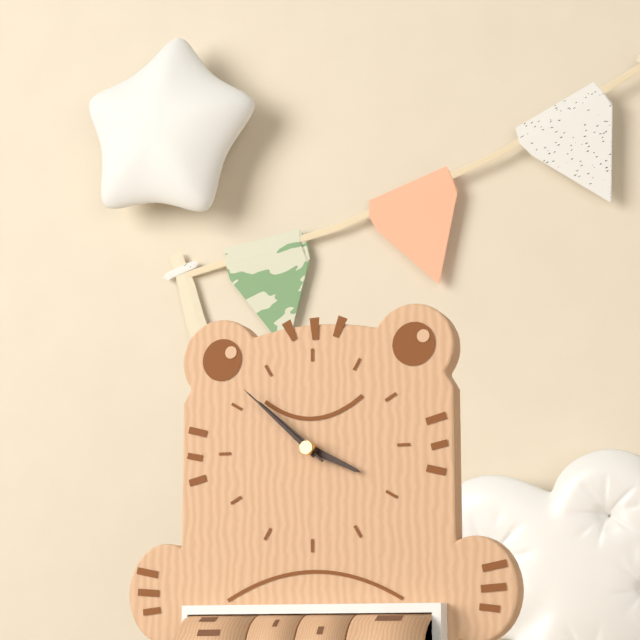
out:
3 h 52 min 52 s
